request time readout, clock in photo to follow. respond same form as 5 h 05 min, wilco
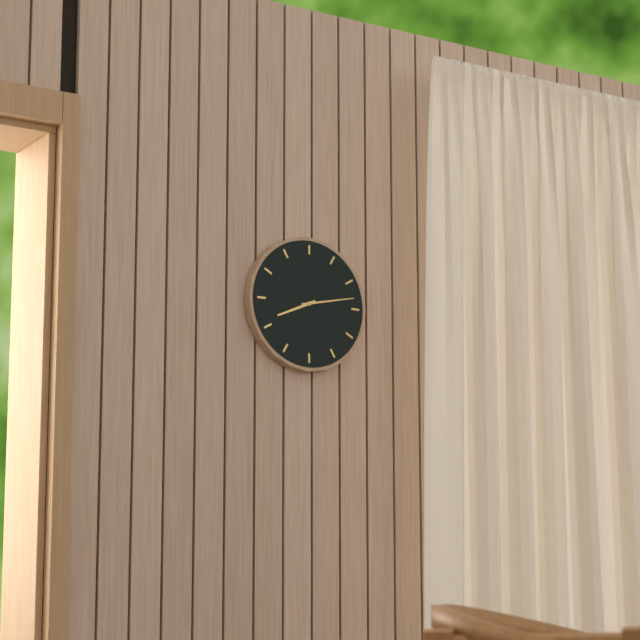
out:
8 h 13 min
